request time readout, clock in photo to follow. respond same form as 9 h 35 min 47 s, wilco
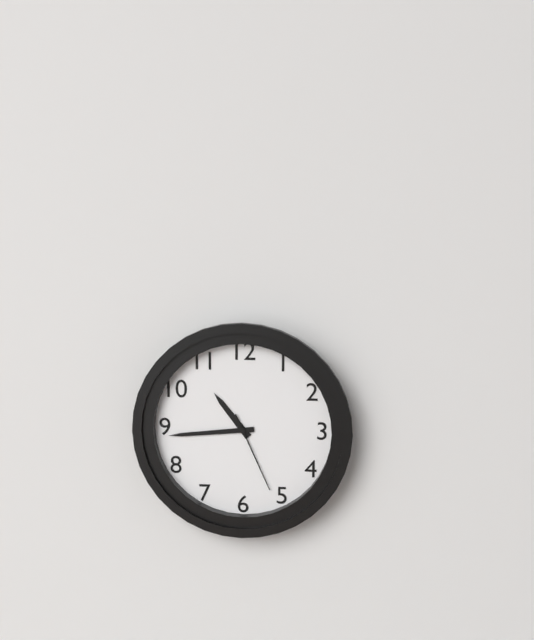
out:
10 h 44 min 26 s
